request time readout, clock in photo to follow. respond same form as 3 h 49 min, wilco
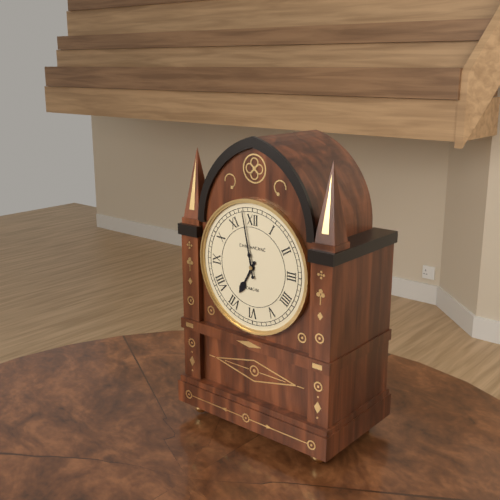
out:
6 h 58 min
